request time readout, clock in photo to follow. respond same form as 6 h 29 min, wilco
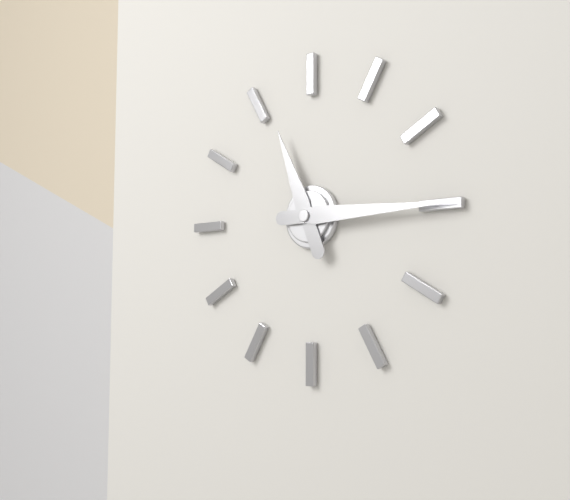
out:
11 h 15 min
